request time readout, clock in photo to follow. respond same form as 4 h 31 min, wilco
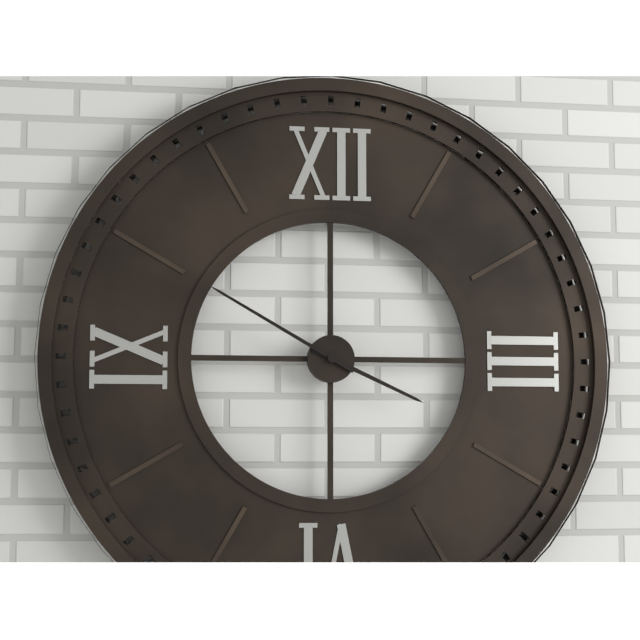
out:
3 h 50 min
